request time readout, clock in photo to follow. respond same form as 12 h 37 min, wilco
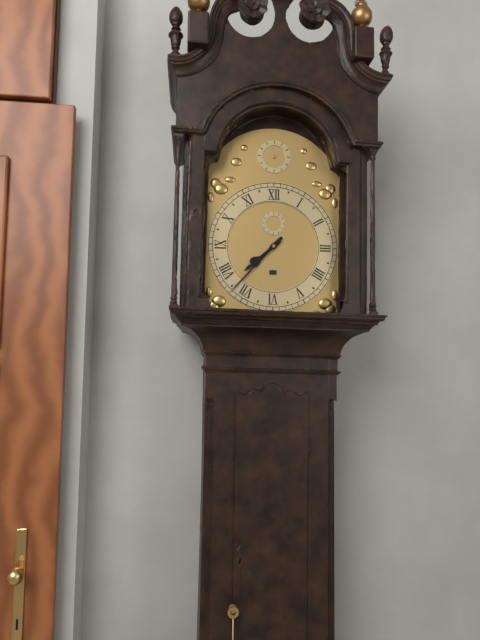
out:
7 h 37 min
